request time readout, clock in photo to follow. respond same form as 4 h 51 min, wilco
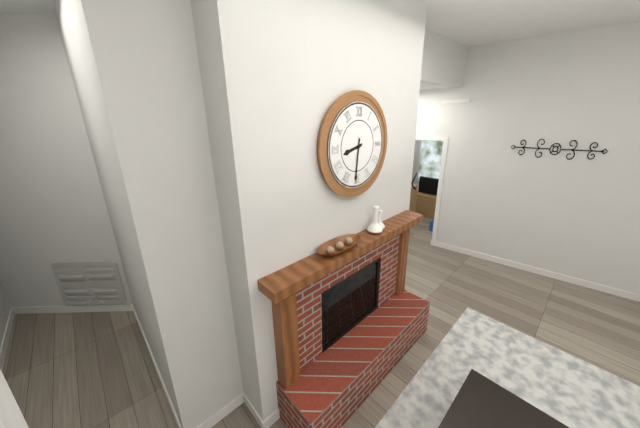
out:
8 h 31 min
